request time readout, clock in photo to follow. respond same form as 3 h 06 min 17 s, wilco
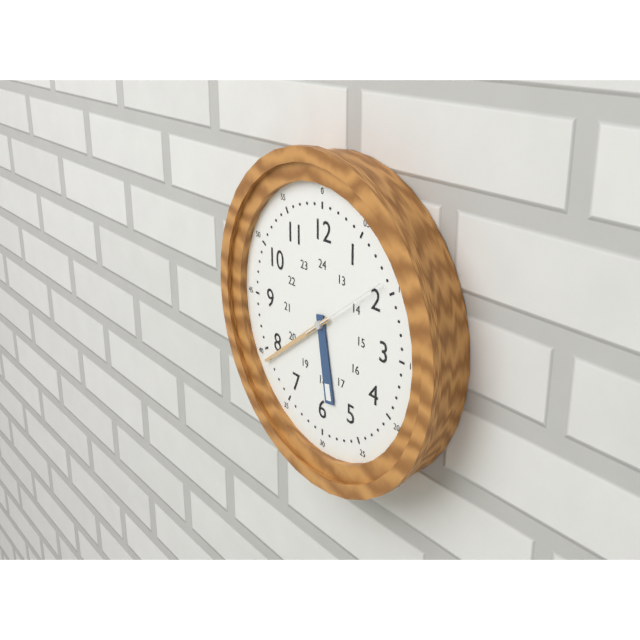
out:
5 h 39 min 09 s
